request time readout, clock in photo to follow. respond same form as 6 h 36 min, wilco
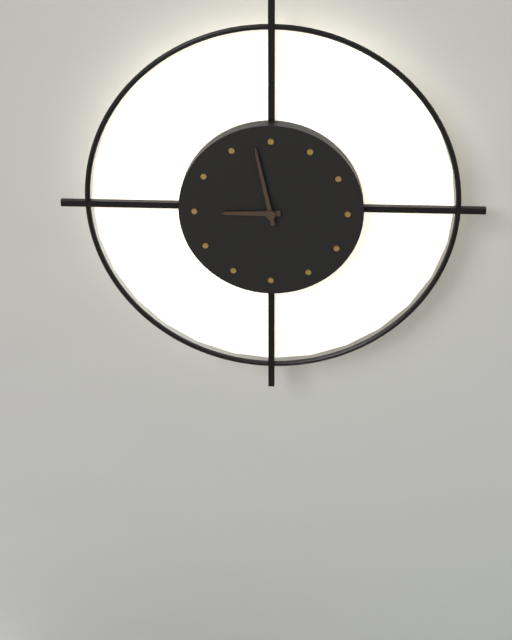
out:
8 h 58 min
